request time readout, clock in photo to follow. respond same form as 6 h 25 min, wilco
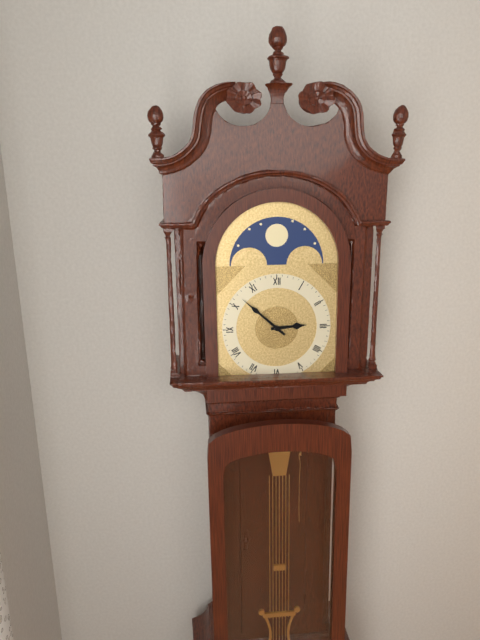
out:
2 h 52 min
